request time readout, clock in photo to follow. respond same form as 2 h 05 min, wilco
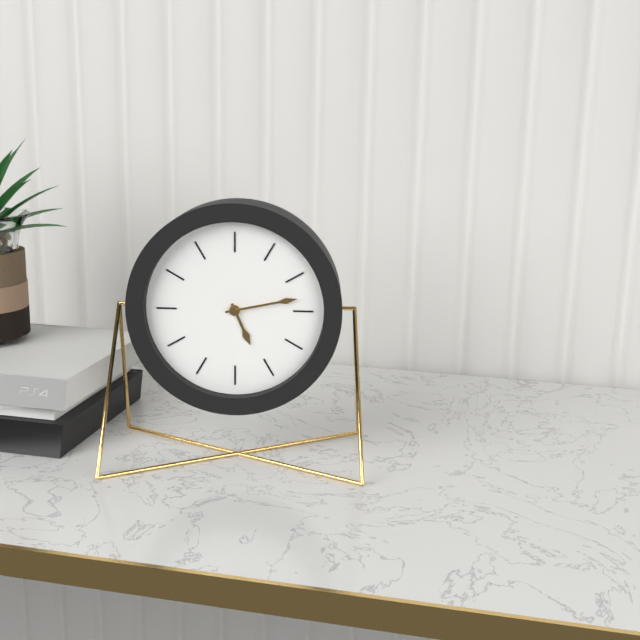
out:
5 h 13 min
